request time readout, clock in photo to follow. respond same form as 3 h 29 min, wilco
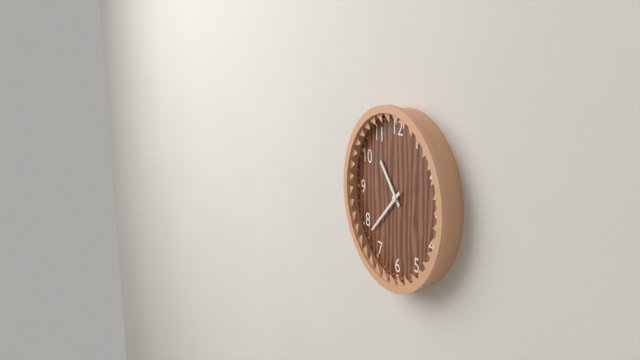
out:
10 h 38 min
